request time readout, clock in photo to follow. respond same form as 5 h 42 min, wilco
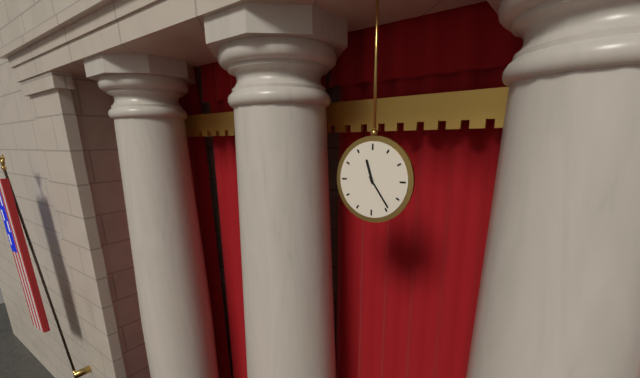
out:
11 h 24 min
